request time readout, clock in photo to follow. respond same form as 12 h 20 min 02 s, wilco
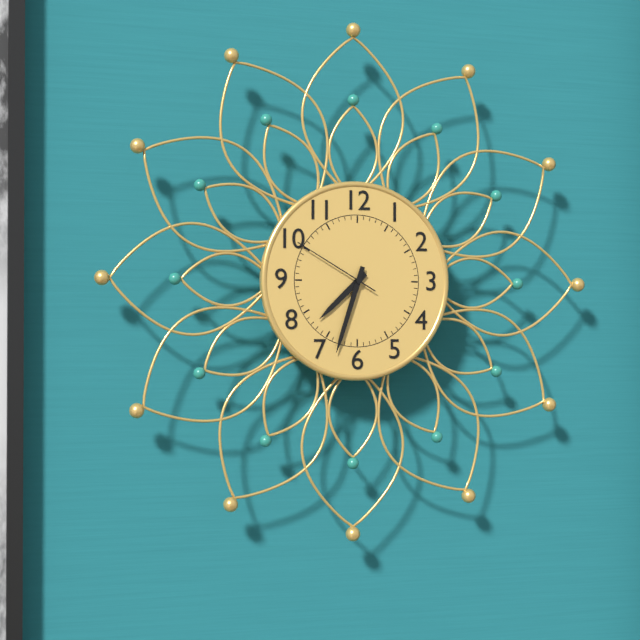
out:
7 h 33 min 50 s
